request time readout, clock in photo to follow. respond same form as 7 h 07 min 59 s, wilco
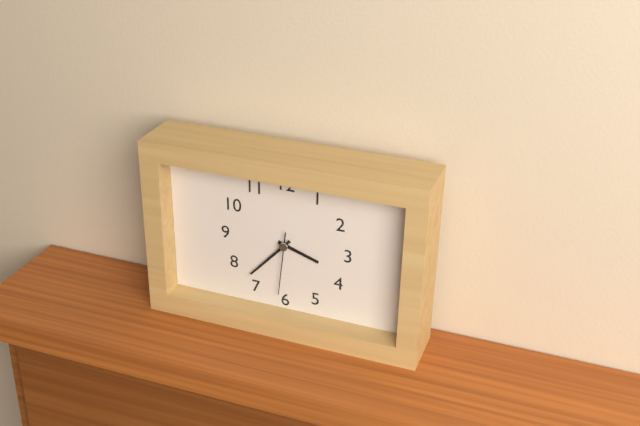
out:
3 h 37 min 31 s
